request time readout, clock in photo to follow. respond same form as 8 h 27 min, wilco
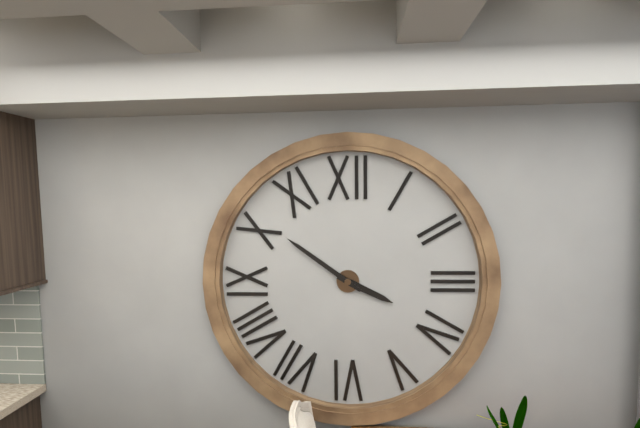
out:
3 h 51 min
